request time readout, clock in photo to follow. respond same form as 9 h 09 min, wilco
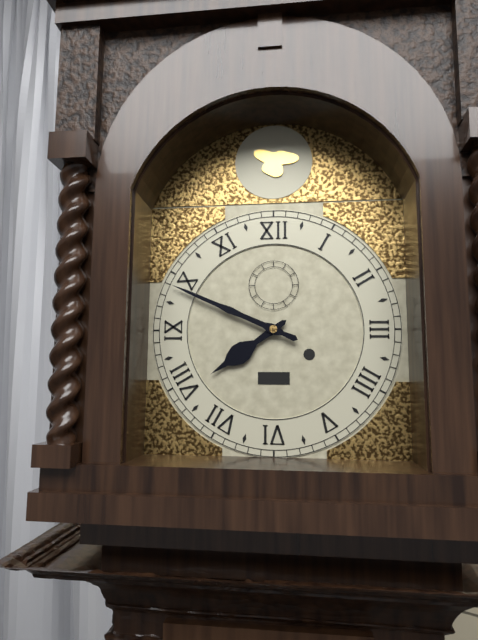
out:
7 h 49 min
